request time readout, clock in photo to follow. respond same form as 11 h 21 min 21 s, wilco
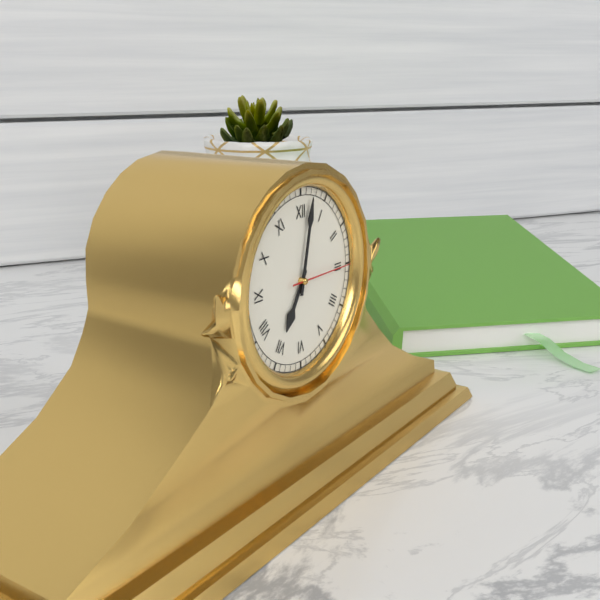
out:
7 h 02 min 15 s
